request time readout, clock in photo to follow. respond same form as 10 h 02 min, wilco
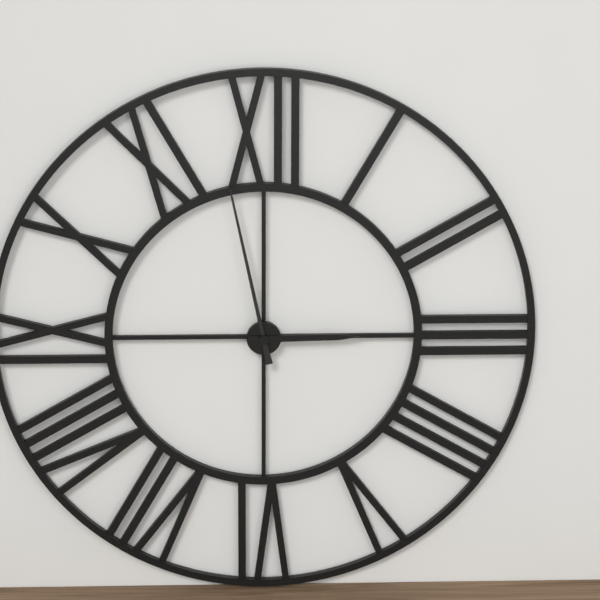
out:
2 h 58 min
